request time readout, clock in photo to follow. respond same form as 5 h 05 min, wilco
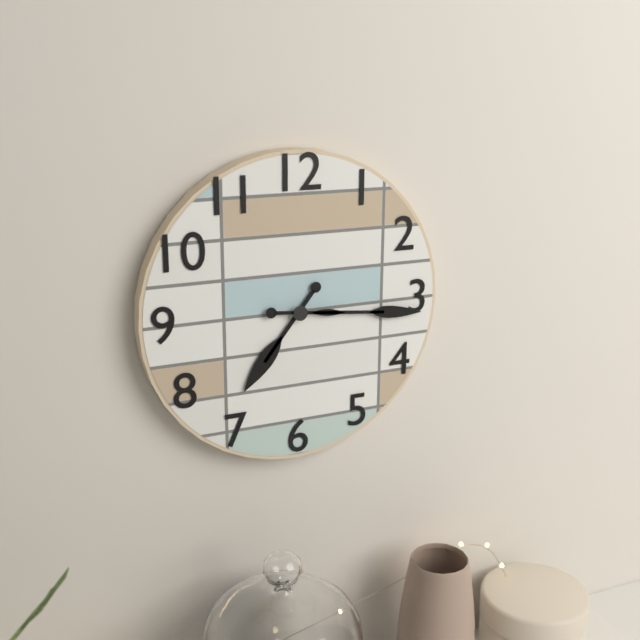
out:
7 h 16 min
